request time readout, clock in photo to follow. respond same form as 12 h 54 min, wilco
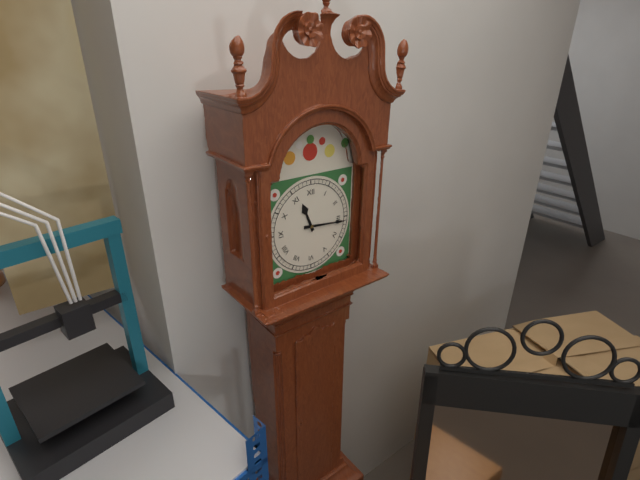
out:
11 h 16 min
